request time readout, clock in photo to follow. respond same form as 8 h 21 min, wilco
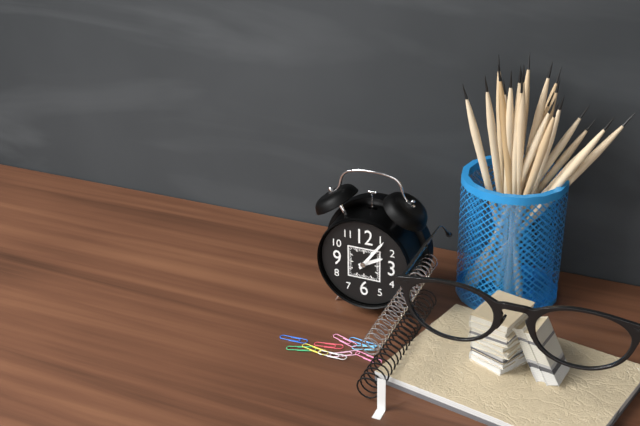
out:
2 h 06 min
